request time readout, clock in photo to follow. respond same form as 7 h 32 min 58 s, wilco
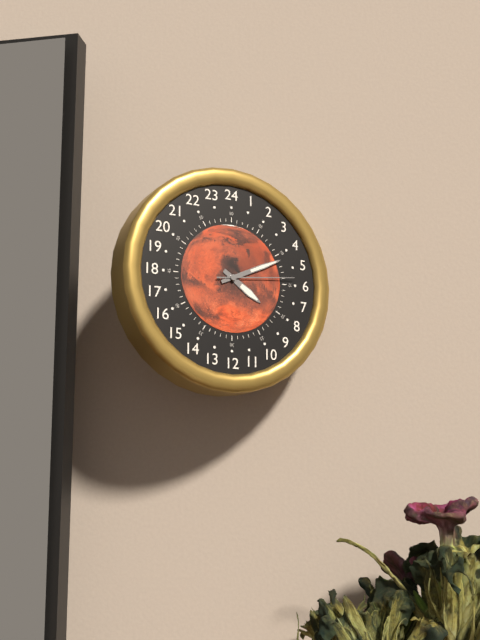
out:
4 h 11 min 14 s
